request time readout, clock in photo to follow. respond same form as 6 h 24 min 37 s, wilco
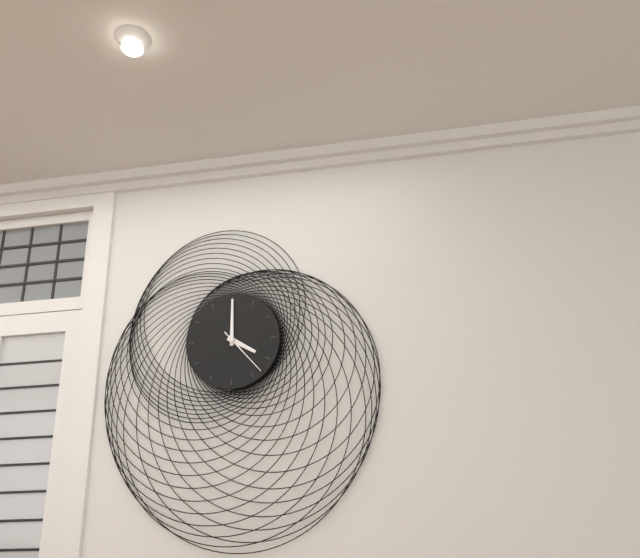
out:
4 h 00 min 23 s
